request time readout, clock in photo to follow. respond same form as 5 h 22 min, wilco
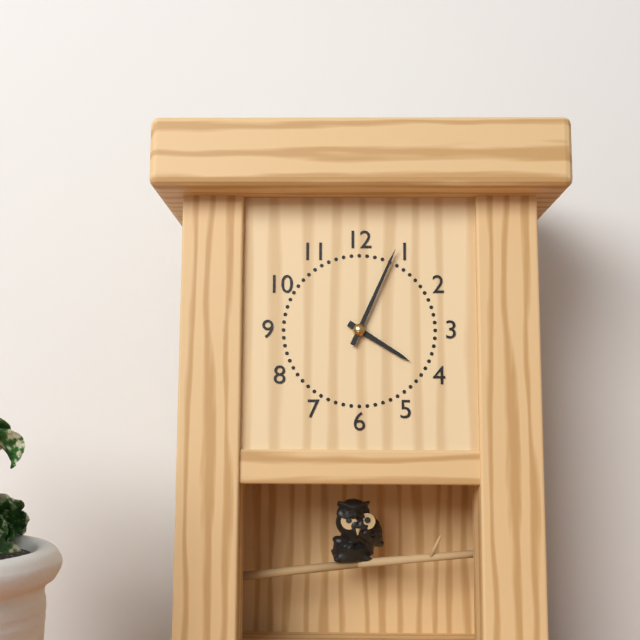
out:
4 h 04 min
